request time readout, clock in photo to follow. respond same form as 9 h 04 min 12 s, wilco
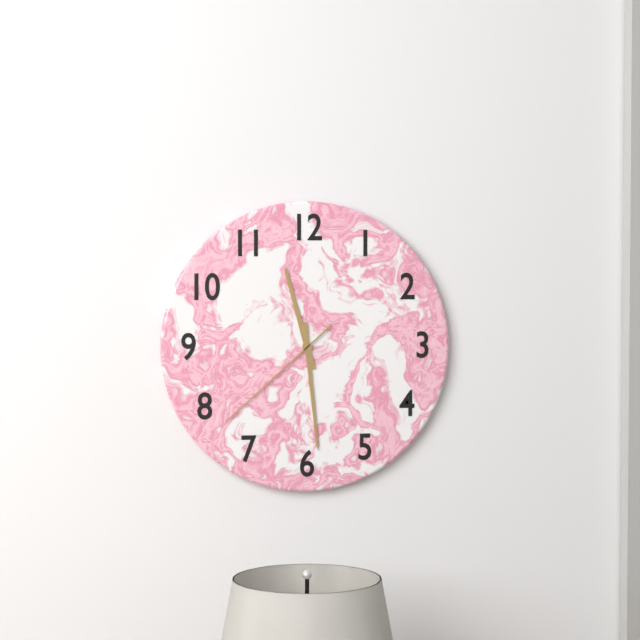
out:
11 h 29 min 38 s
